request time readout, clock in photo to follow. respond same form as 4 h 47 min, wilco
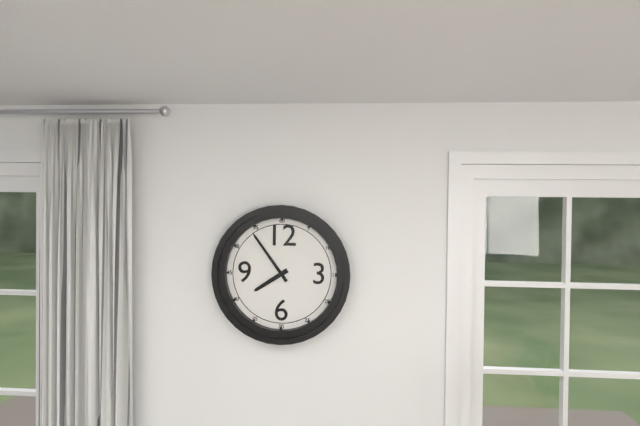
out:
7 h 54 min
